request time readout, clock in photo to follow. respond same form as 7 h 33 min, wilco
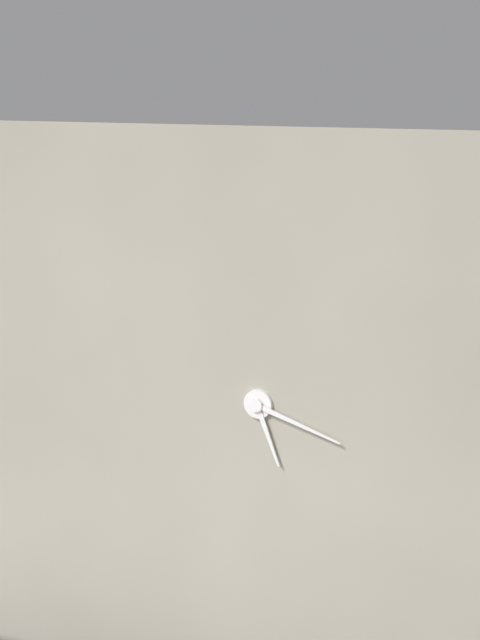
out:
5 h 18 min
